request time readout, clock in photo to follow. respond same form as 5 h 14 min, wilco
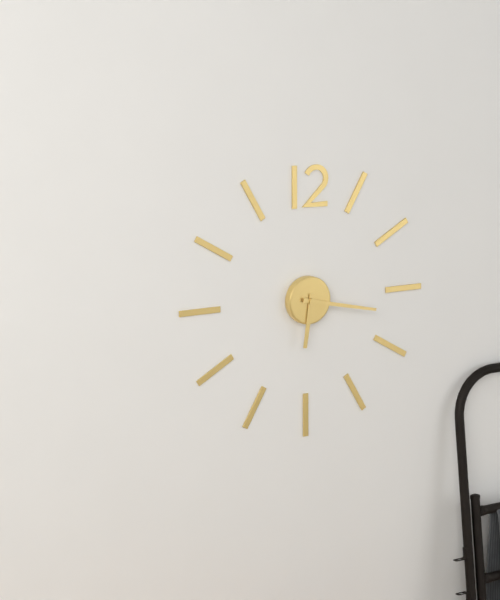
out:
6 h 17 min
